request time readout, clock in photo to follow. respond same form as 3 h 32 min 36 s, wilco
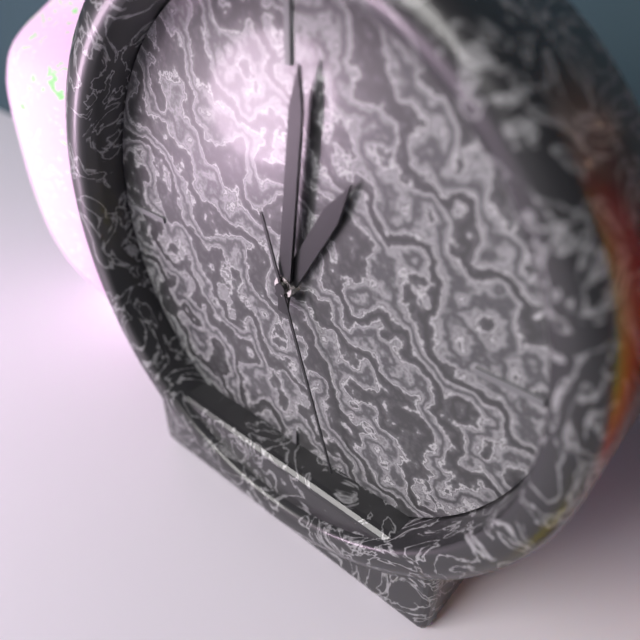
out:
1 h 01 min 27 s
